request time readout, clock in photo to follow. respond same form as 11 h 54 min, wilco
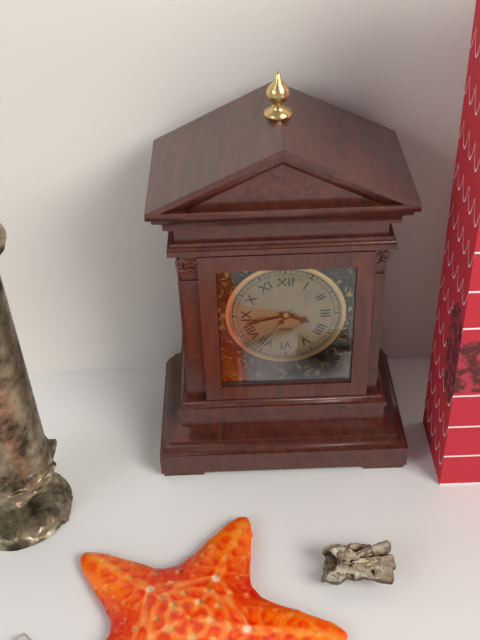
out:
3 h 43 min
